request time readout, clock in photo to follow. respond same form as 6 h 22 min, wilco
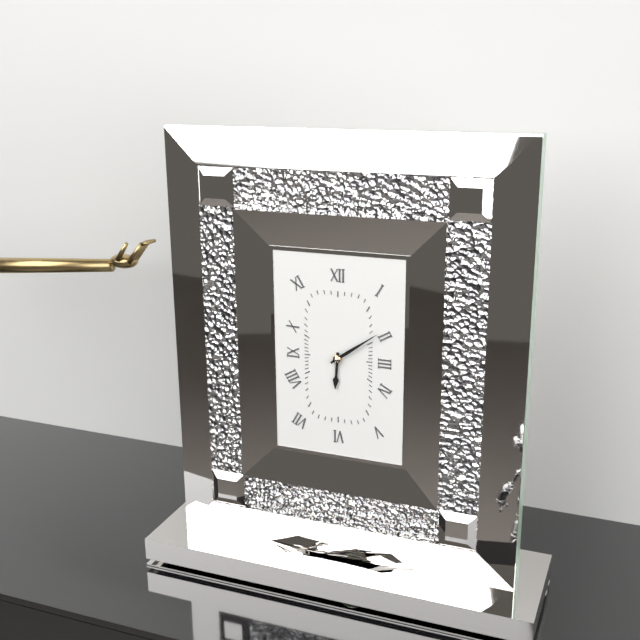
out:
6 h 09 min
